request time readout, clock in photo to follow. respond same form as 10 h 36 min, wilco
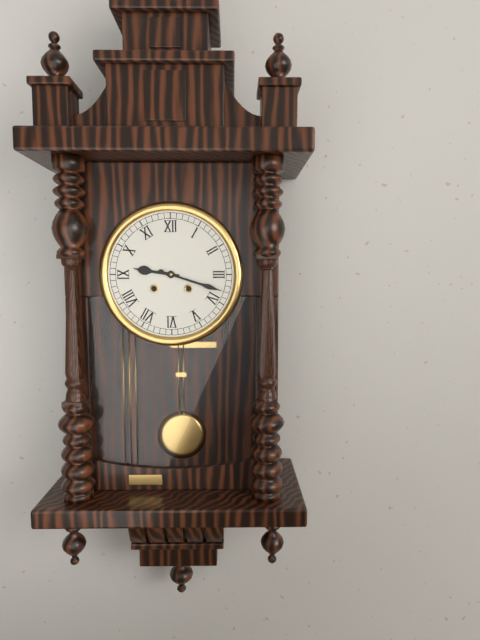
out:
9 h 18 min
